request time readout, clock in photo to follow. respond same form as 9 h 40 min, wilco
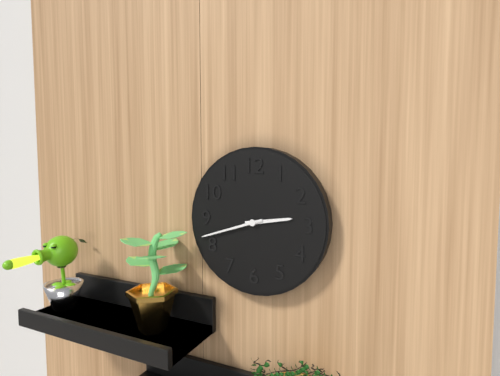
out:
2 h 42 min
